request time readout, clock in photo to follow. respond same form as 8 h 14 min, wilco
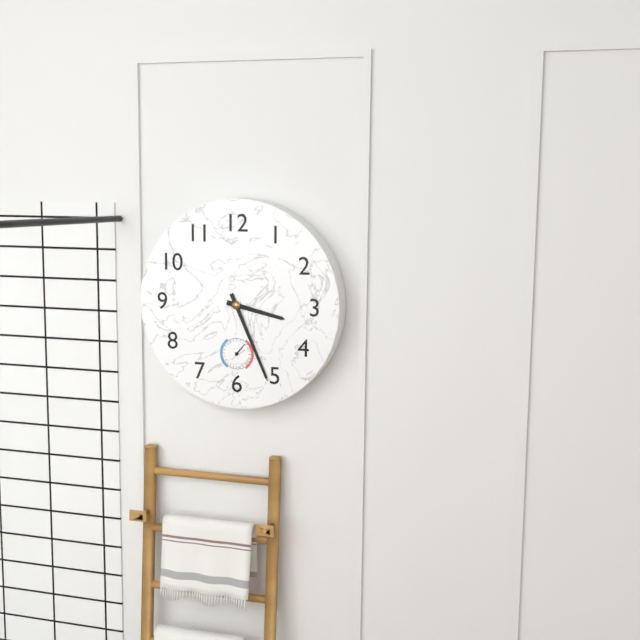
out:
3 h 26 min
